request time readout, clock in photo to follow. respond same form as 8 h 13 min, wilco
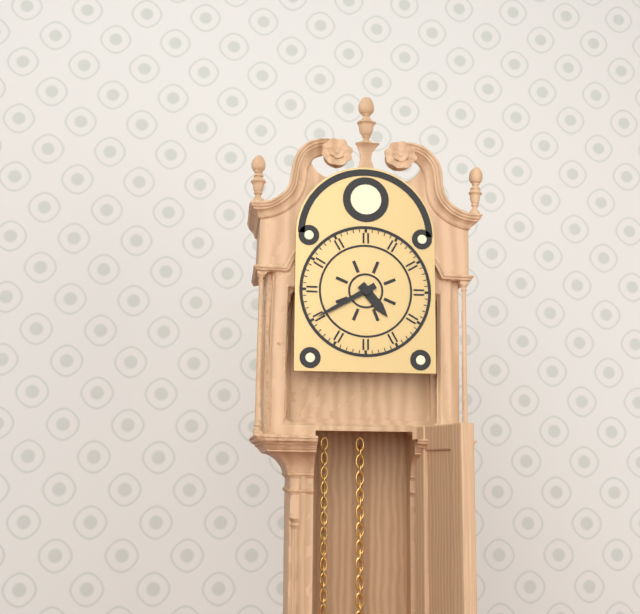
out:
4 h 40 min
